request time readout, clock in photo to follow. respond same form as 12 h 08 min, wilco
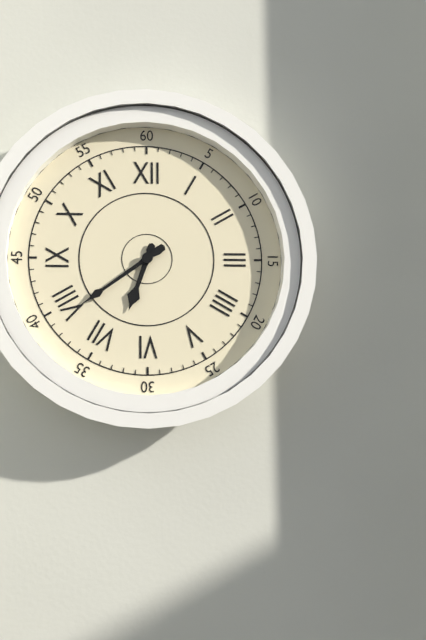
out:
6 h 39 min
